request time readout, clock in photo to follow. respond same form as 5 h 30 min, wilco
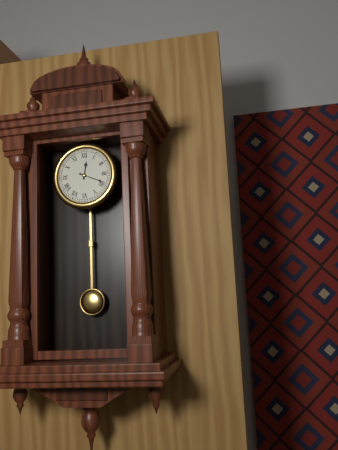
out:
12 h 19 min
